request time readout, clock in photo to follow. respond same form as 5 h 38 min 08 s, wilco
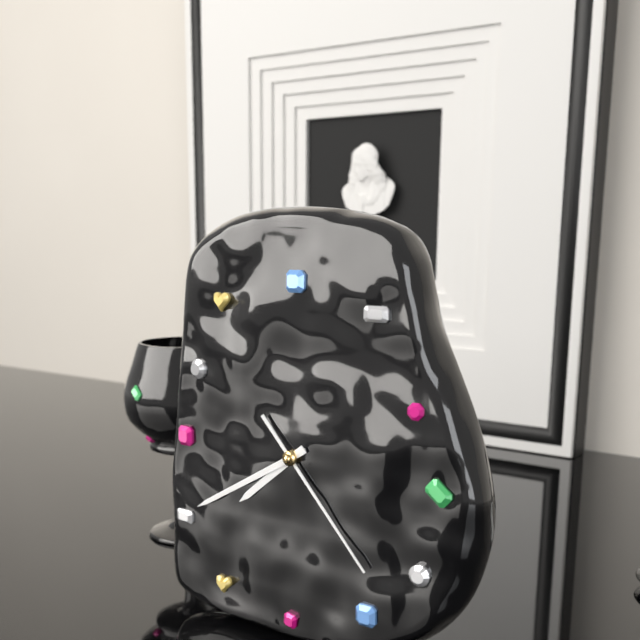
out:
7 h 40 min 23 s
